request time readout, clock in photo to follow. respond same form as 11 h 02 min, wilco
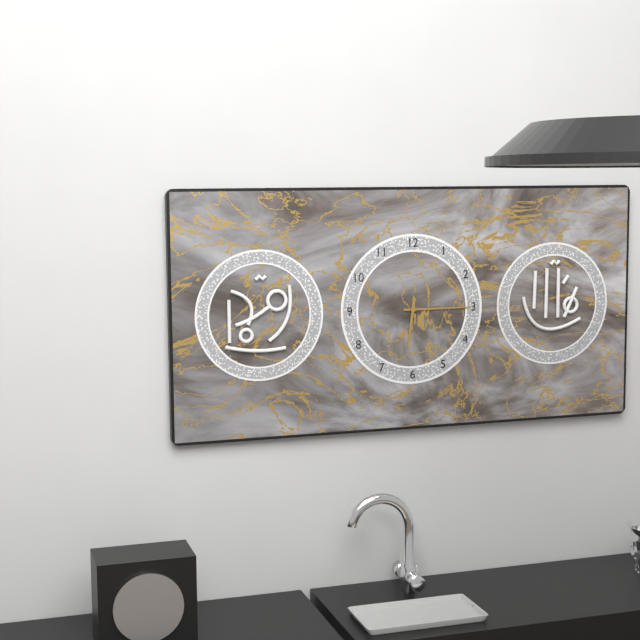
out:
6 h 15 min
